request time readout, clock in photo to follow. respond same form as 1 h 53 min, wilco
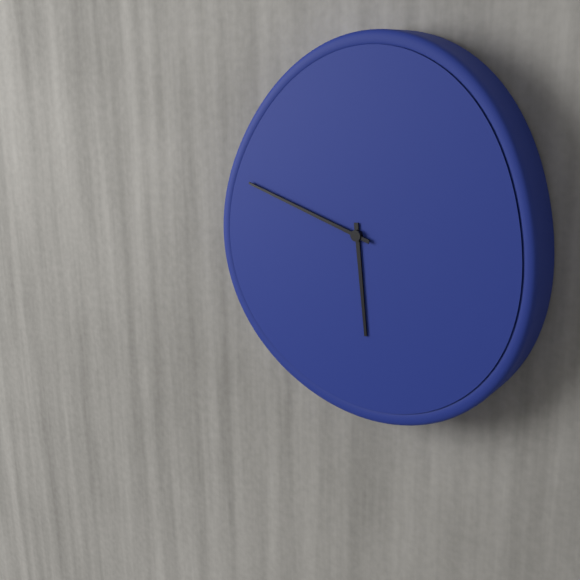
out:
5 h 48 min
